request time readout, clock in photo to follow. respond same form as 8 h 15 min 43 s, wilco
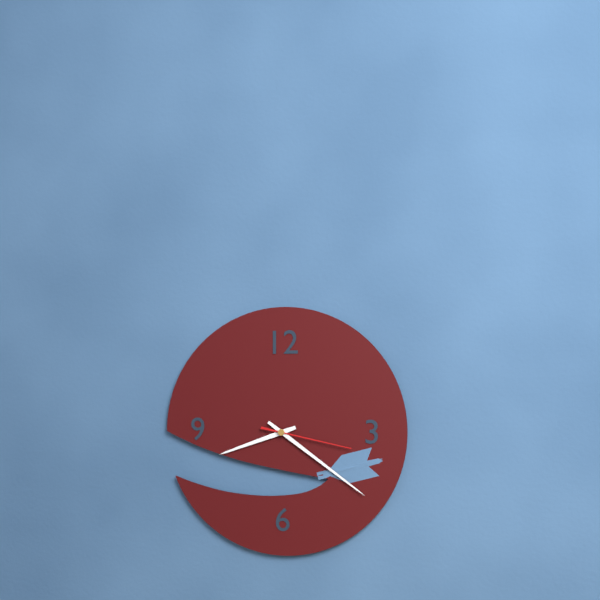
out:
8 h 21 min 17 s
